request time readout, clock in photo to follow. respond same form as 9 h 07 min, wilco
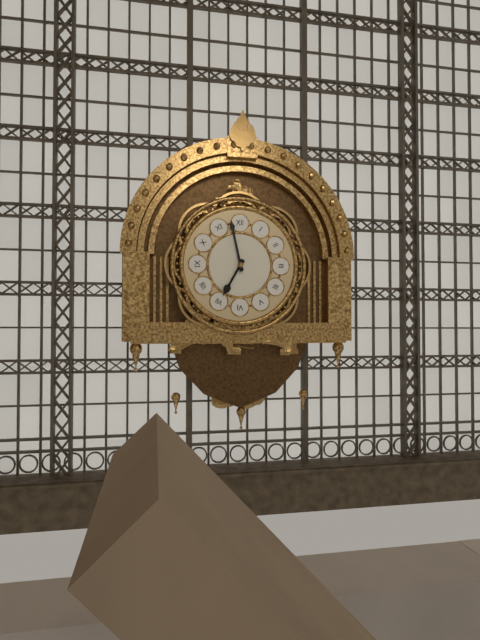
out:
6 h 58 min
